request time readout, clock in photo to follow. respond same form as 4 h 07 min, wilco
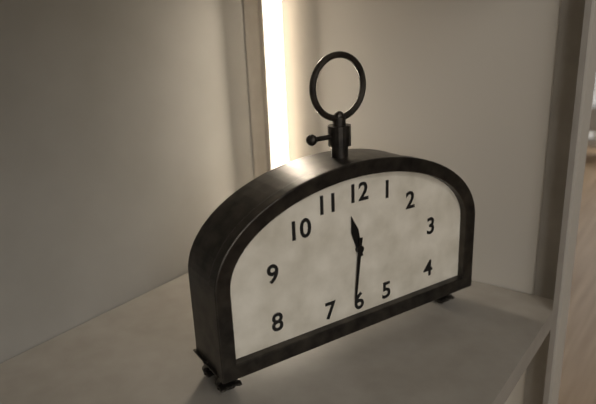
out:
11 h 31 min
